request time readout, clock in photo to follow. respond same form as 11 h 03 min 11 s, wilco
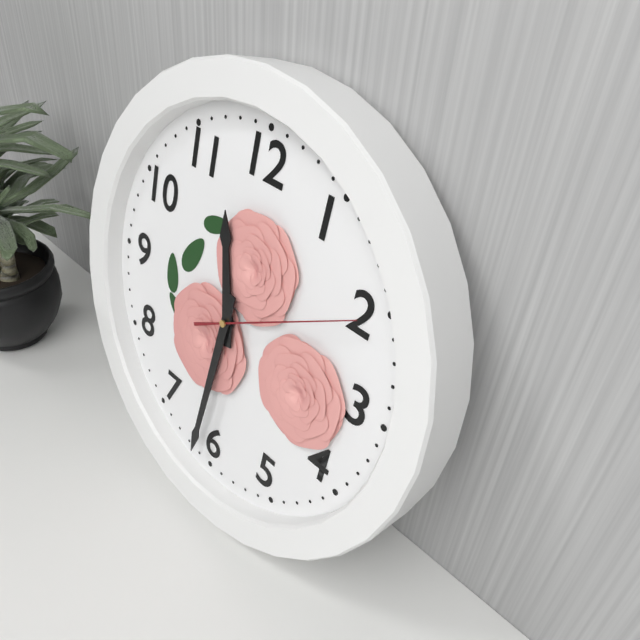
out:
11 h 31 min 10 s
